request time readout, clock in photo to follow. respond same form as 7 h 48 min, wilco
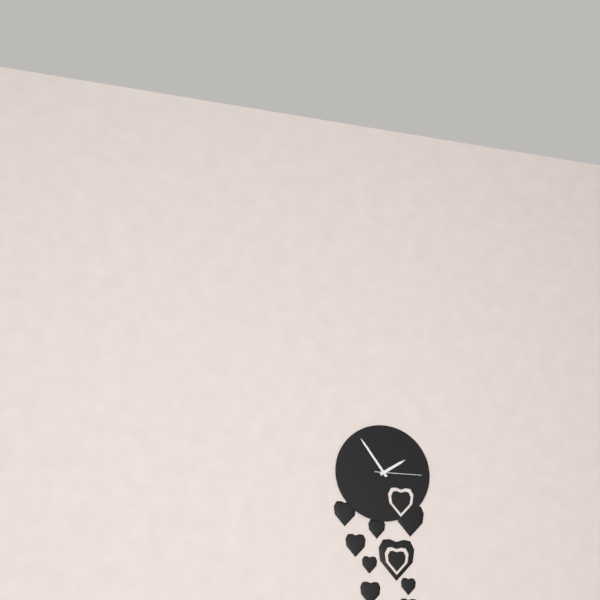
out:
1 h 54 min
